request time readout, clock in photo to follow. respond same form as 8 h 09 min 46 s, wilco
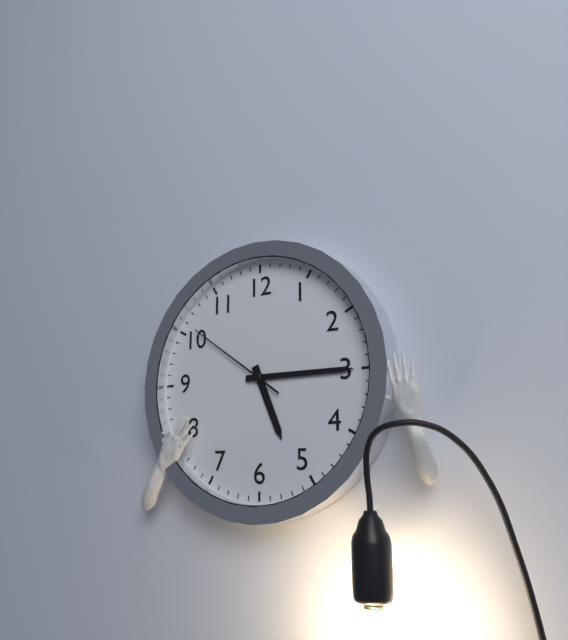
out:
5 h 15 min 51 s
